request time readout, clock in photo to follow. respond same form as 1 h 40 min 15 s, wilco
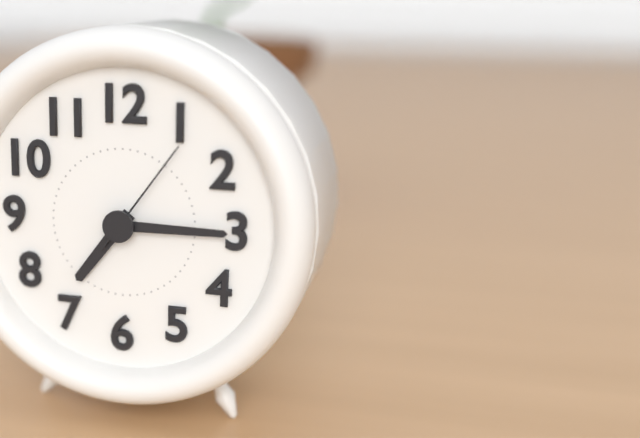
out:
7 h 15 min 06 s
